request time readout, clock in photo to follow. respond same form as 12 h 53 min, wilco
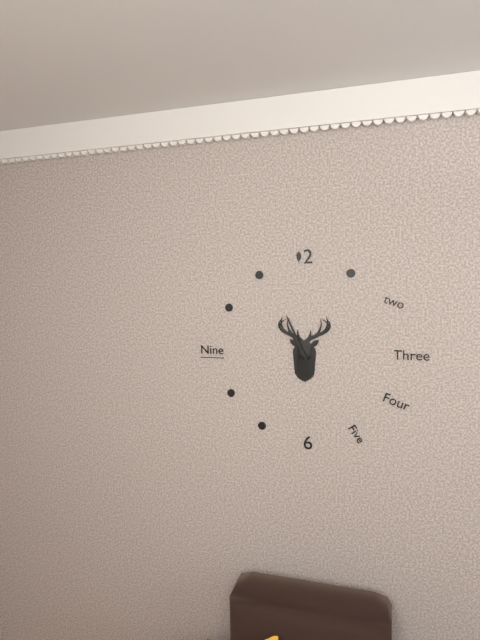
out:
10 h 56 min
